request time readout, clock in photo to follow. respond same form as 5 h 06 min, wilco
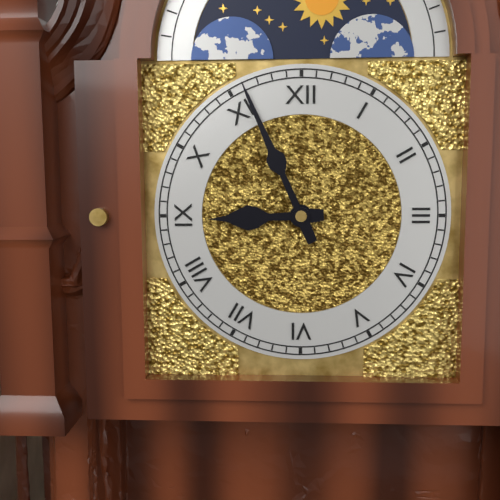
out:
8 h 56 min
